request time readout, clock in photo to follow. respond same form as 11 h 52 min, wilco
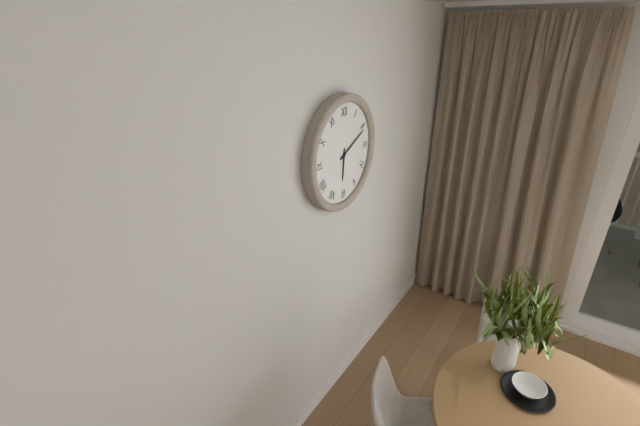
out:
6 h 11 min
